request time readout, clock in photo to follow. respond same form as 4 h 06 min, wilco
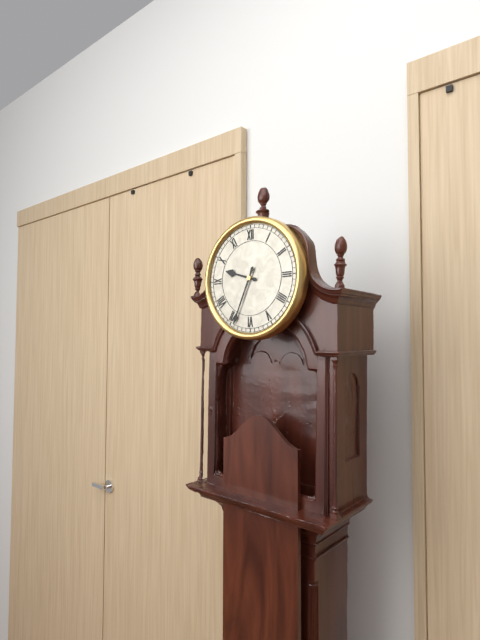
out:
9 h 34 min
